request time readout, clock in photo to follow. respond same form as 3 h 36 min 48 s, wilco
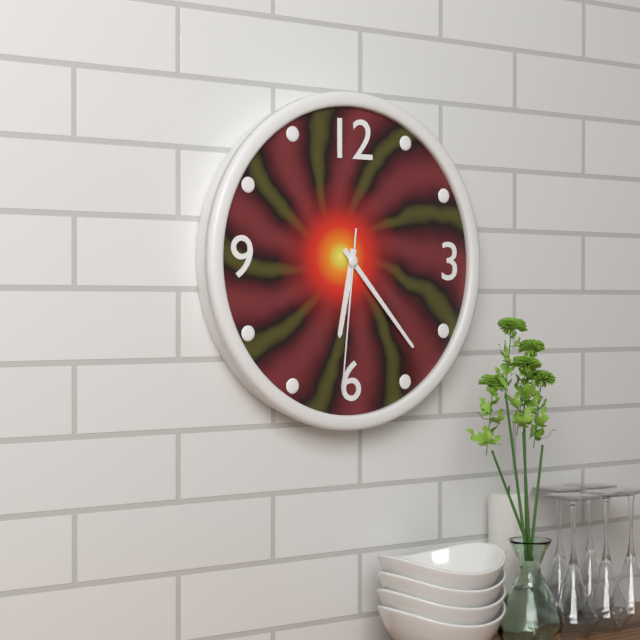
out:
6 h 23 min 31 s
